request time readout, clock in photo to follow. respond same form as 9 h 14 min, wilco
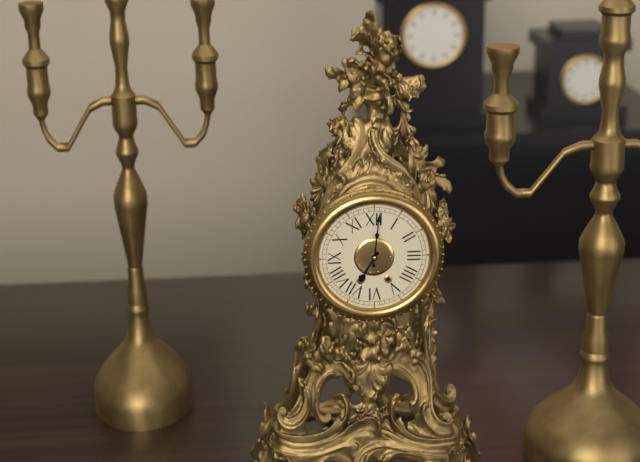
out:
7 h 01 min
